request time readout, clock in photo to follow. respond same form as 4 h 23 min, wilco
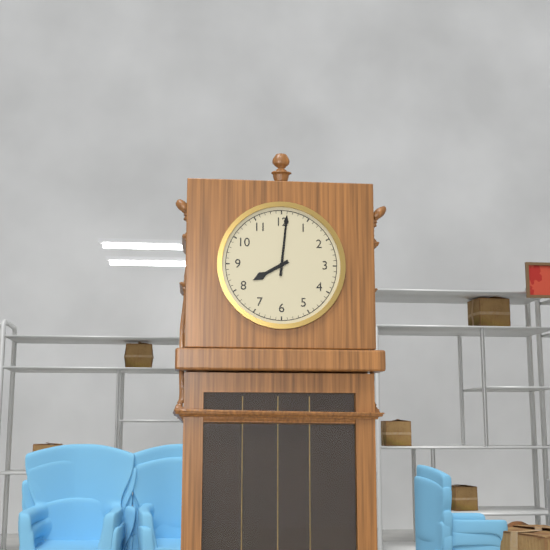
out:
8 h 01 min
